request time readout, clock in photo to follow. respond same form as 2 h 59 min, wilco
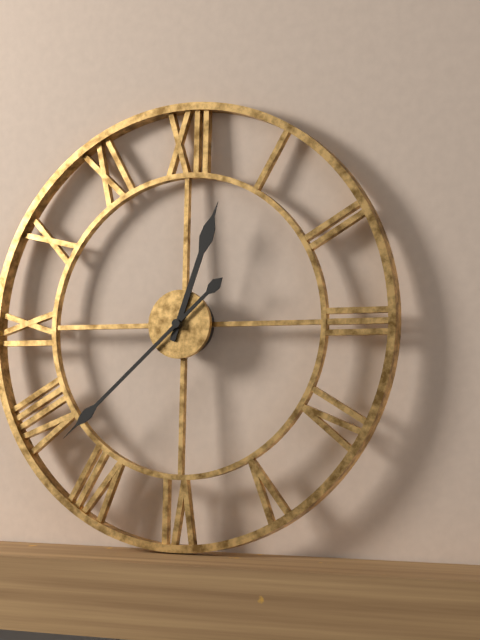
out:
12 h 38 min
